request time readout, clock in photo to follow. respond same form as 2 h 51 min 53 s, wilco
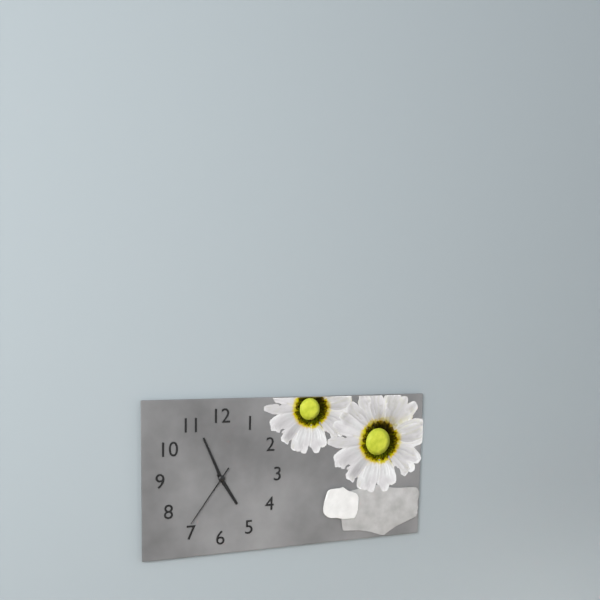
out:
4 h 56 min 36 s
